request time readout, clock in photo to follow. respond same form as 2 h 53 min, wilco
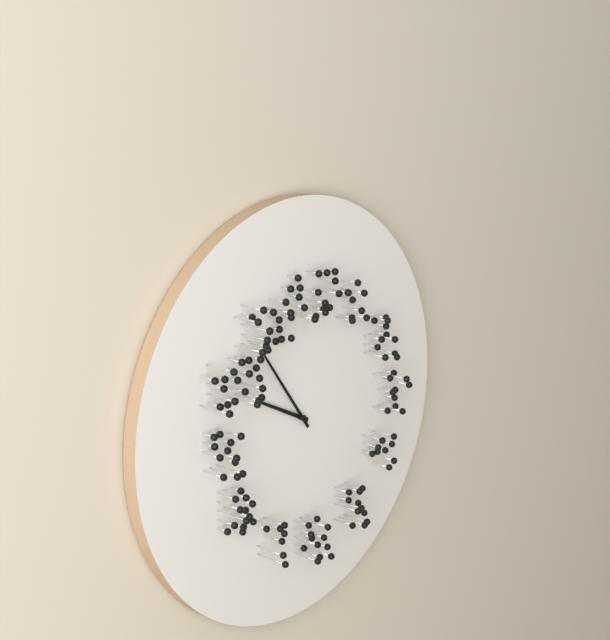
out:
9 h 54 min
